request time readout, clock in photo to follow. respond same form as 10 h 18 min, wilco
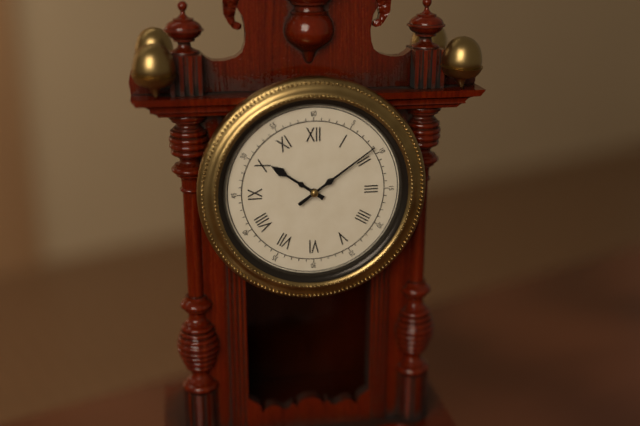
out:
10 h 09 min
